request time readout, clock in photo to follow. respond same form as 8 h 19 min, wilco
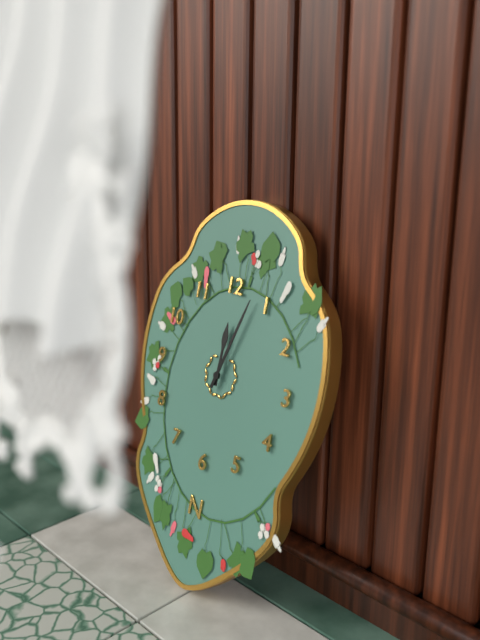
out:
12 h 03 min
